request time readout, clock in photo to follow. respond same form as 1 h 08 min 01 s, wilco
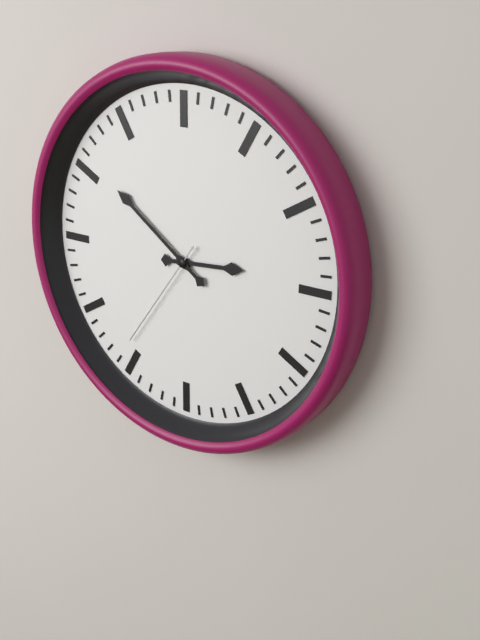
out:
2 h 51 min 36 s
